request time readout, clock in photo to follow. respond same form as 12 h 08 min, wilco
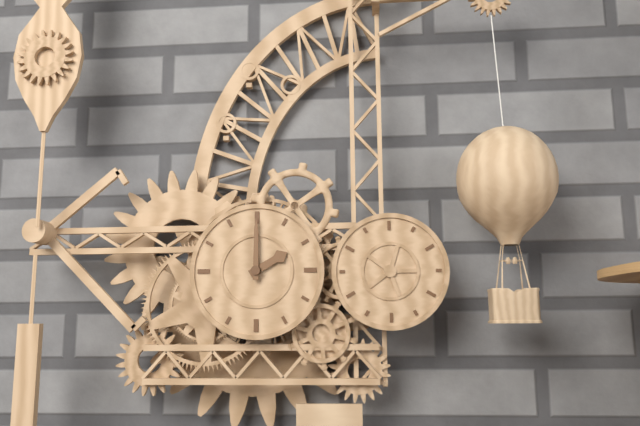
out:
2 h 00 min
